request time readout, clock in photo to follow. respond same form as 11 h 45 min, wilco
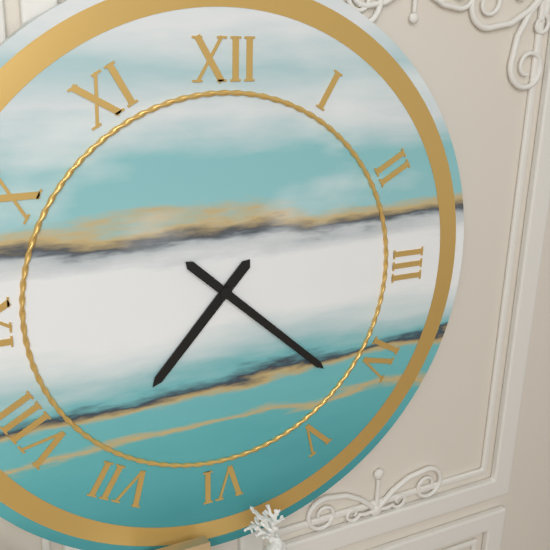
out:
7 h 22 min
